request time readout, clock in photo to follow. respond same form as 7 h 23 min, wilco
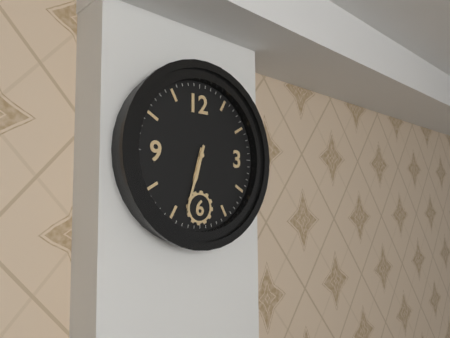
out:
6 h 33 min
